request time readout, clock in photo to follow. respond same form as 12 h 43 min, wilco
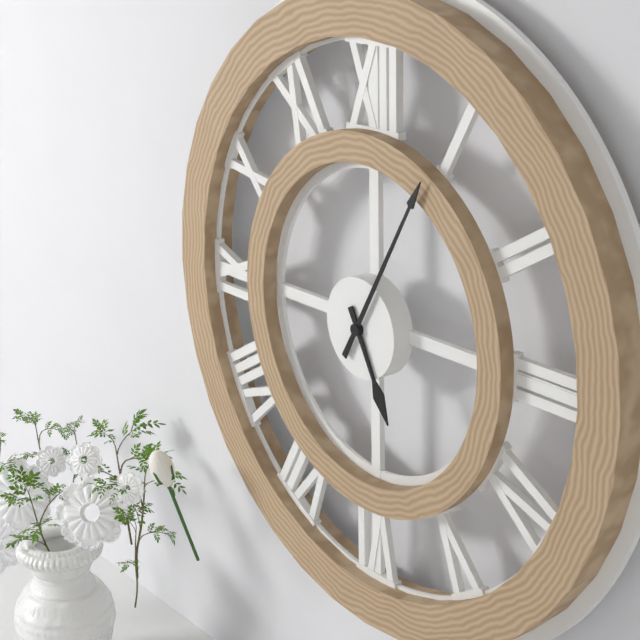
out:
5 h 05 min
